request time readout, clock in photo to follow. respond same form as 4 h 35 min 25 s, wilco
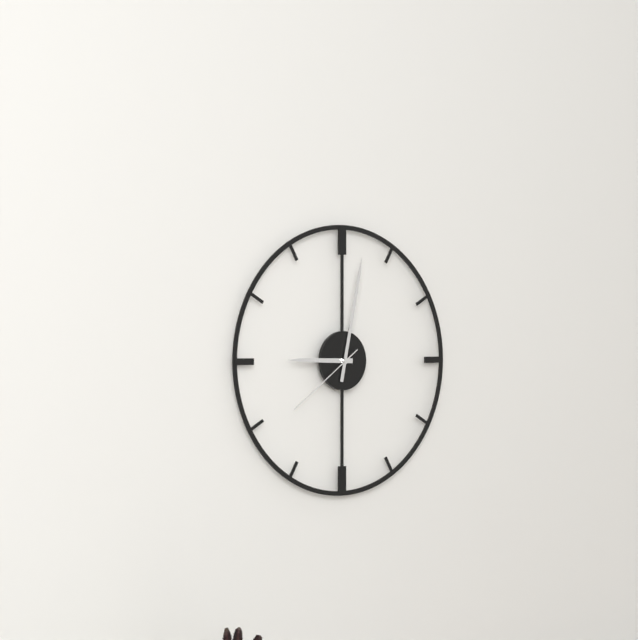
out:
9 h 02 min 39 s
